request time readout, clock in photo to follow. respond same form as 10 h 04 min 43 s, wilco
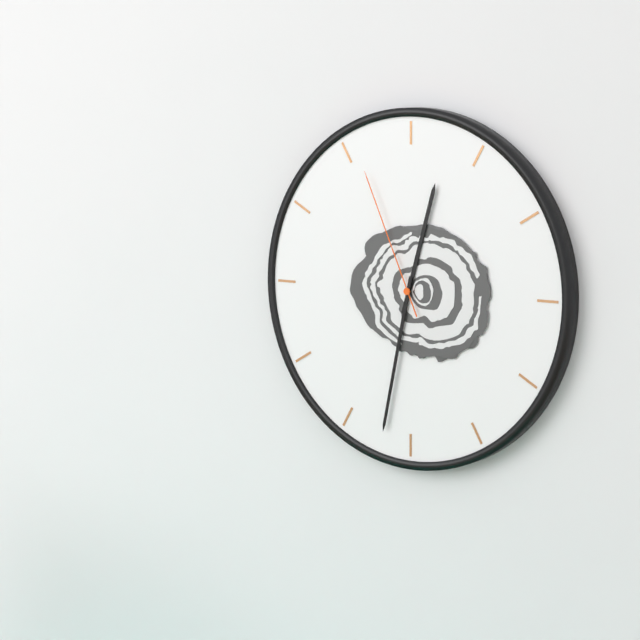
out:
12 h 32 min 56 s
